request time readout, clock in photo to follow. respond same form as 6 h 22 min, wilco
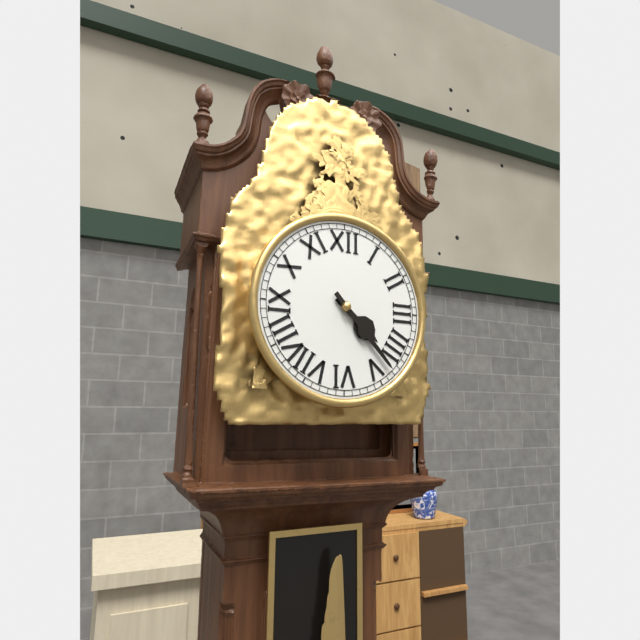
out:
4 h 23 min
